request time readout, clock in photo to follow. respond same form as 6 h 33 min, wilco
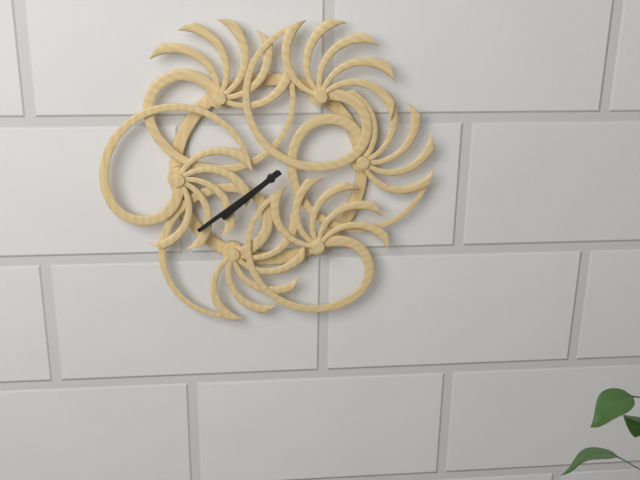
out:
7 h 39 min
